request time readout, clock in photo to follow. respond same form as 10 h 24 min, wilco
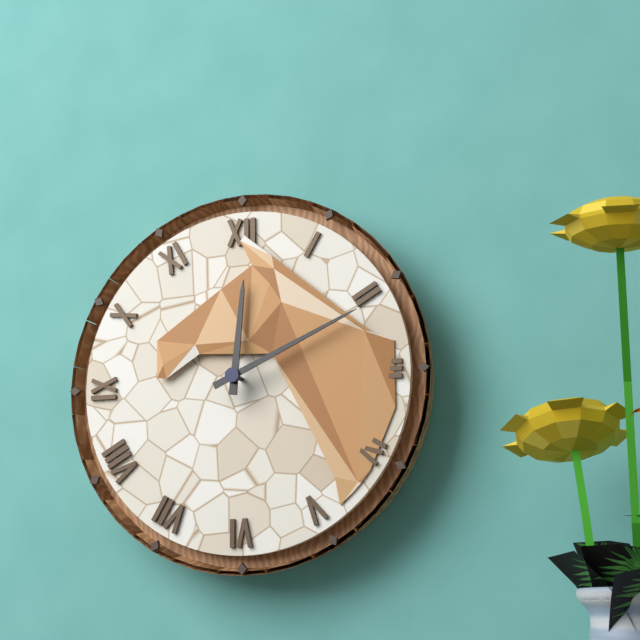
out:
12 h 11 min
